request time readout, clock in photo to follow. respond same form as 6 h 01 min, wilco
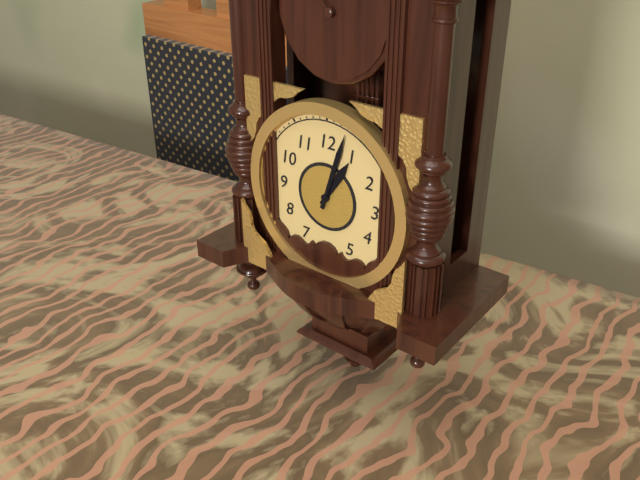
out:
1 h 03 min
